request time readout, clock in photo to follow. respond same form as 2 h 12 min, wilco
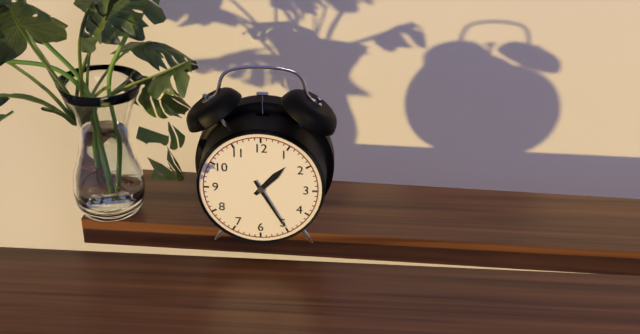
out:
1 h 25 min
